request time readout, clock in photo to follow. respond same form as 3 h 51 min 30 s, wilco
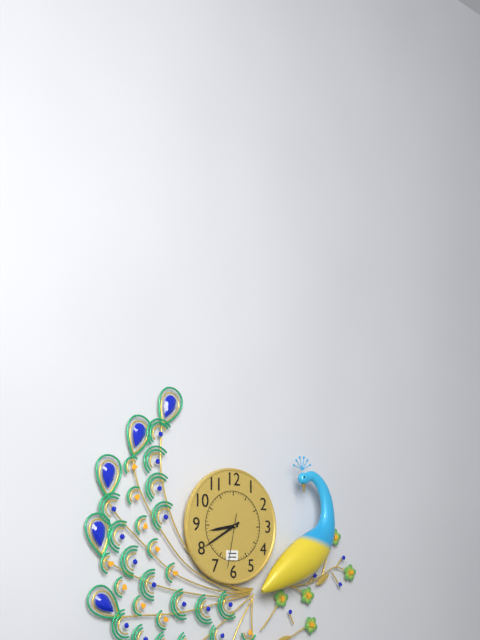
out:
8 h 40 min 32 s
